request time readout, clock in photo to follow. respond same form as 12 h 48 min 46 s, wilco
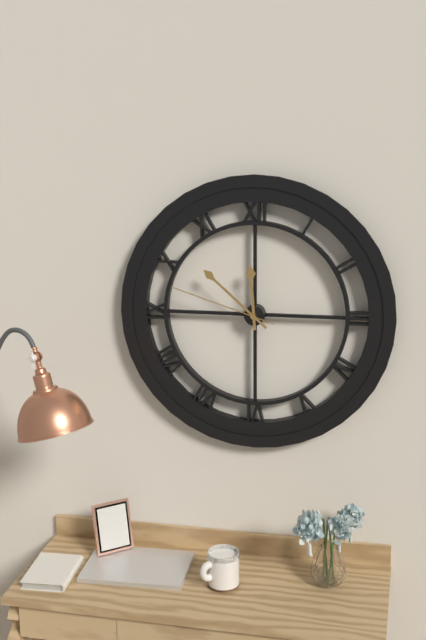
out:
11 h 52 min 48 s
